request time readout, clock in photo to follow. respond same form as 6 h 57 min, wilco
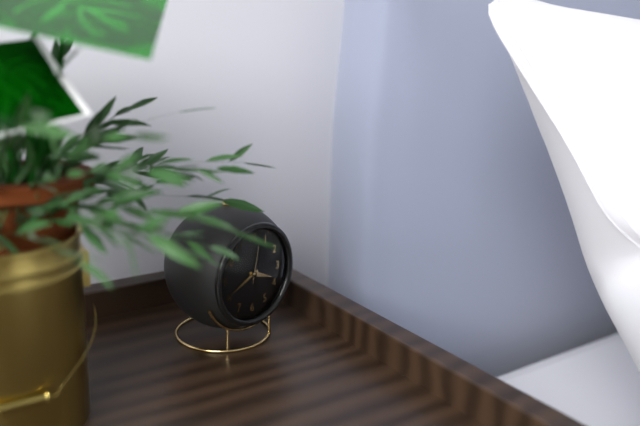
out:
3 h 41 min
